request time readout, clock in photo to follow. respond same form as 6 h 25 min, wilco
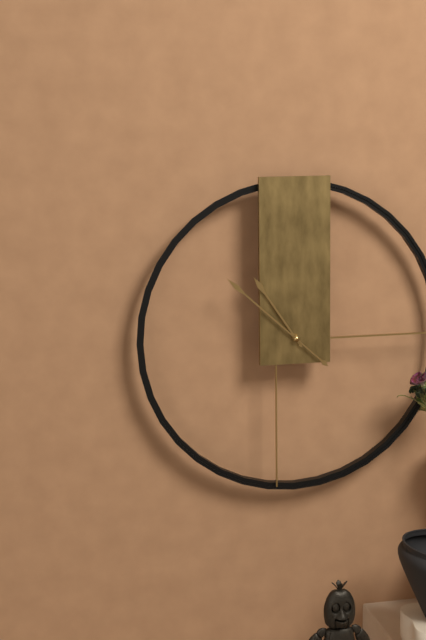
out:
10 h 52 min
